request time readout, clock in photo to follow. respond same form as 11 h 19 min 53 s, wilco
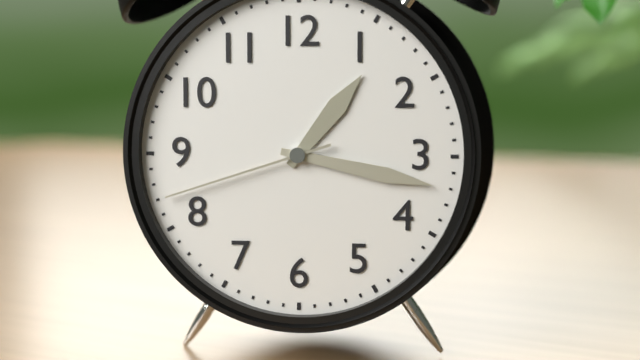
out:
1 h 17 min 42 s
